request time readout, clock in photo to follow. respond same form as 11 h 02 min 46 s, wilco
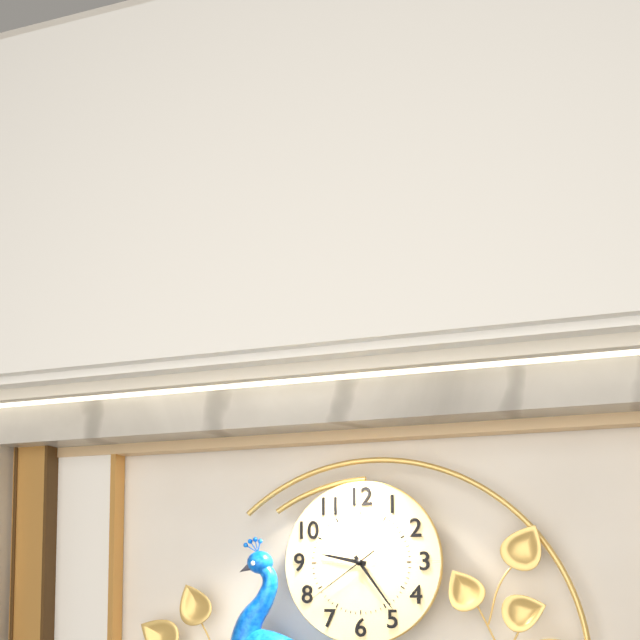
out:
9 h 24 min 39 s
